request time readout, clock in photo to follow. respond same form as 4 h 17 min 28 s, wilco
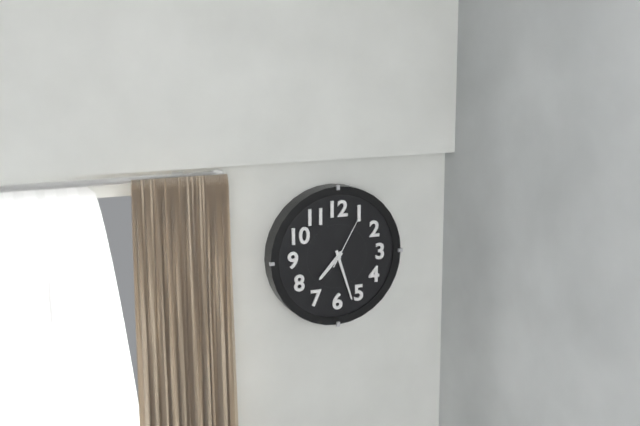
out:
7 h 27 min 05 s
